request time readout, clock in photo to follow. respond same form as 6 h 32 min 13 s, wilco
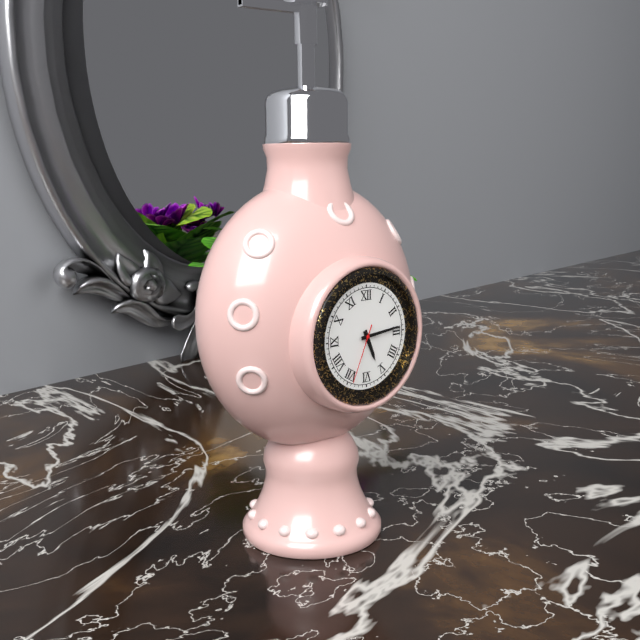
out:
5 h 14 min 34 s
